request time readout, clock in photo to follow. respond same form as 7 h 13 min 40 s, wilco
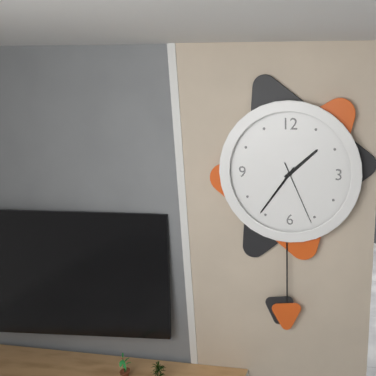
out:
1 h 36 min 26 s
